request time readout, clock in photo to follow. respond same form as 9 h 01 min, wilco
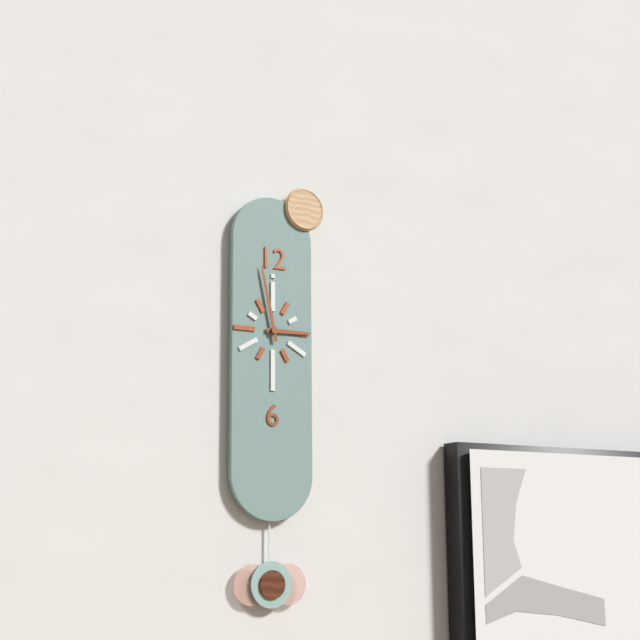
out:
2 h 58 min
